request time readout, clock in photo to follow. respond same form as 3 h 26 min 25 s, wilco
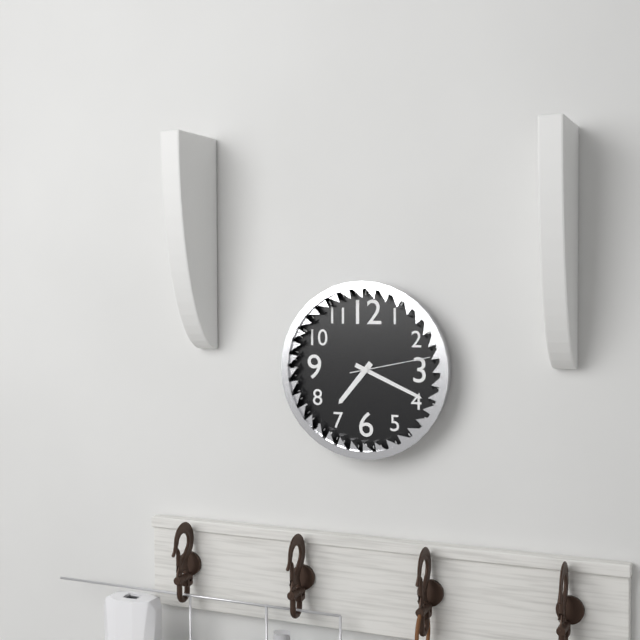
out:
7 h 19 min 13 s
